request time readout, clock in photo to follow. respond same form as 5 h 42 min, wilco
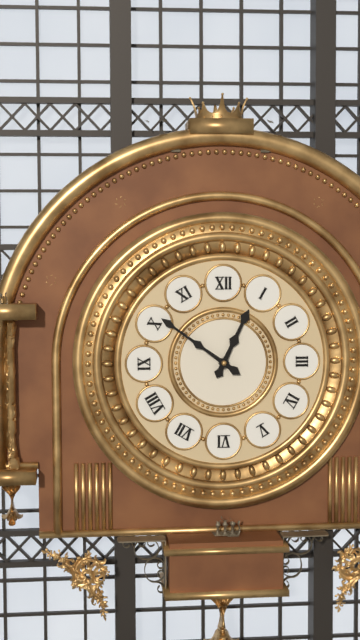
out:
12 h 51 min
